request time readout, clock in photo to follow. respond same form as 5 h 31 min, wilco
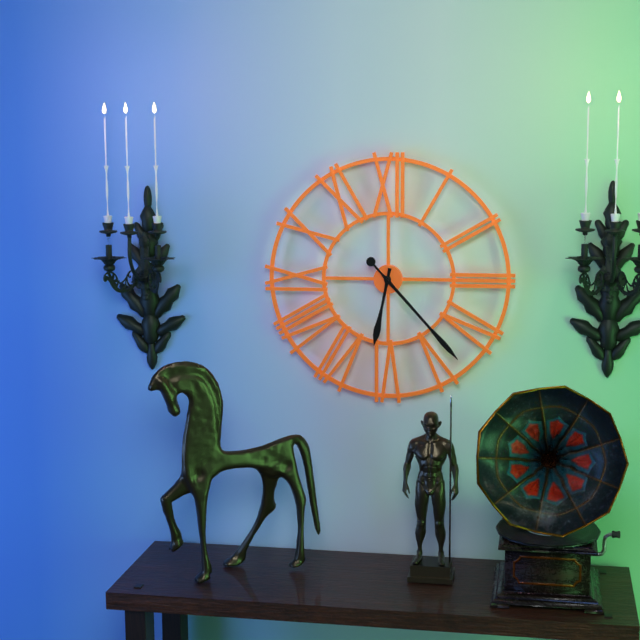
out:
6 h 23 min
